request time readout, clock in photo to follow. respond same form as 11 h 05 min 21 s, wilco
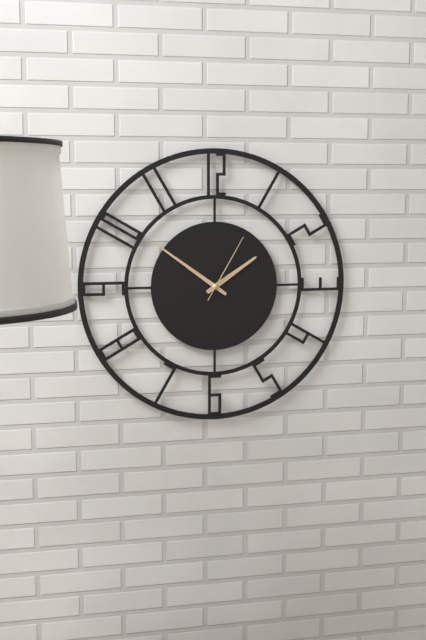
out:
1 h 51 min 05 s
